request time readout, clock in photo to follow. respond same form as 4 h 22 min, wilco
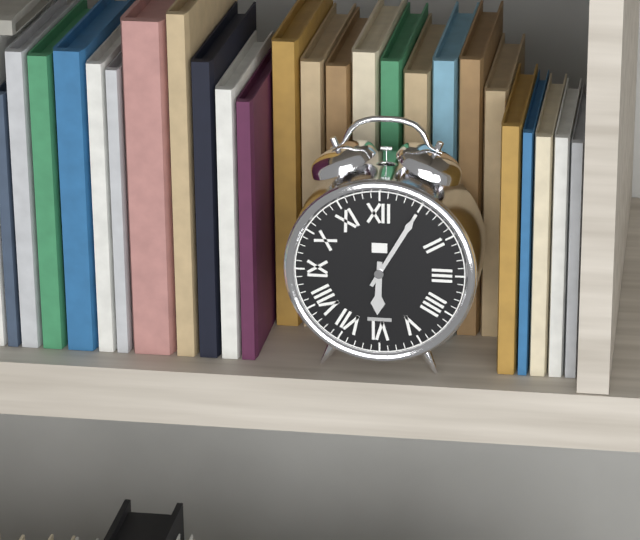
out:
6 h 05 min
